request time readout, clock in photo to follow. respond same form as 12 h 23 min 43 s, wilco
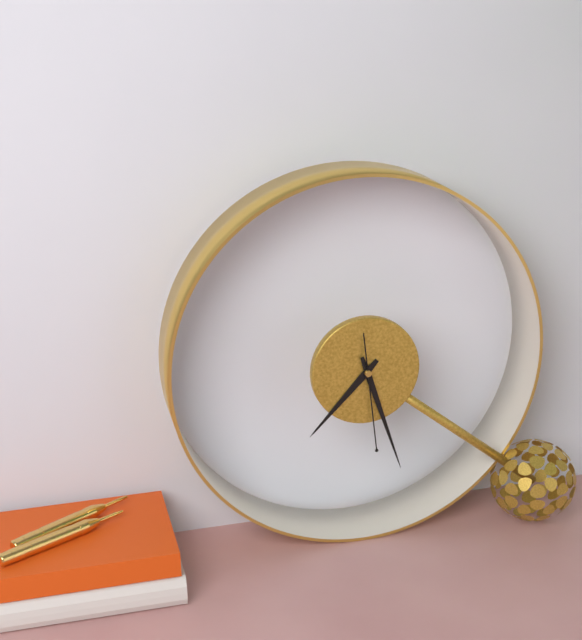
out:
7 h 27 min 29 s
